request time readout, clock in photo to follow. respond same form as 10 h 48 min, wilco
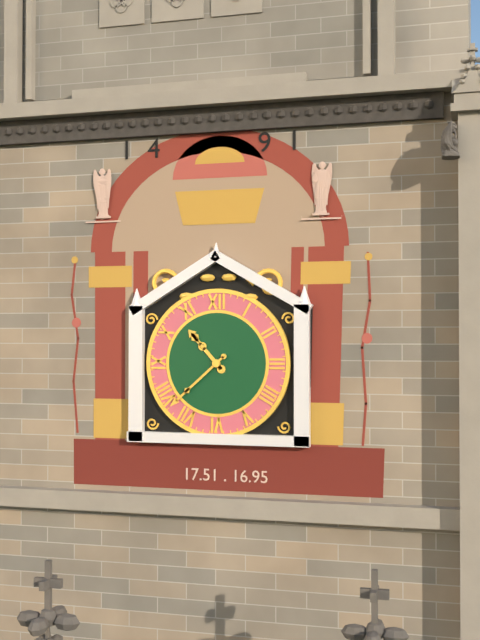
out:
10 h 38 min
